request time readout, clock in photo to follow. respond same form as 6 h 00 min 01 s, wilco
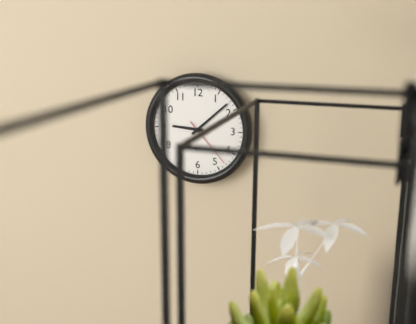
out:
9 h 08 min 23 s
